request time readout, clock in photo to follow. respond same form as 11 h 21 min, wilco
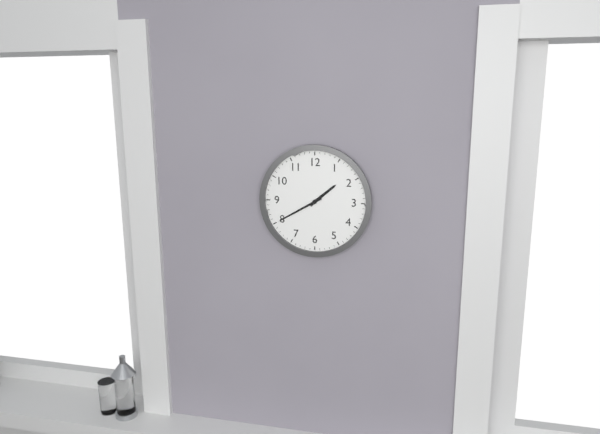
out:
1 h 40 min
